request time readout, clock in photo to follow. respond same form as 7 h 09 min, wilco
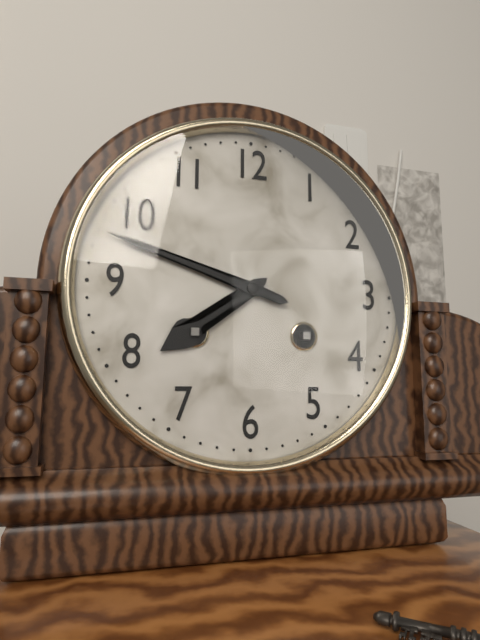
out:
7 h 48 min
